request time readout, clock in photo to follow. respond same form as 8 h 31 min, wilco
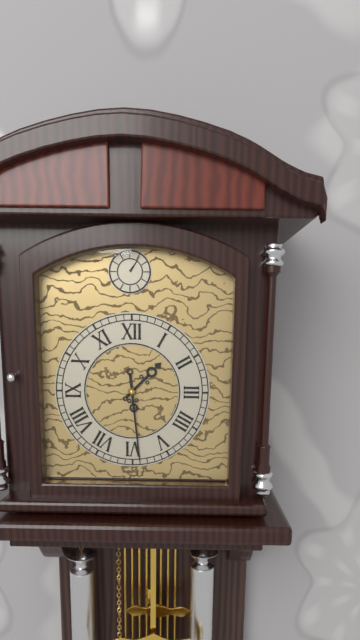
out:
1 h 29 min
